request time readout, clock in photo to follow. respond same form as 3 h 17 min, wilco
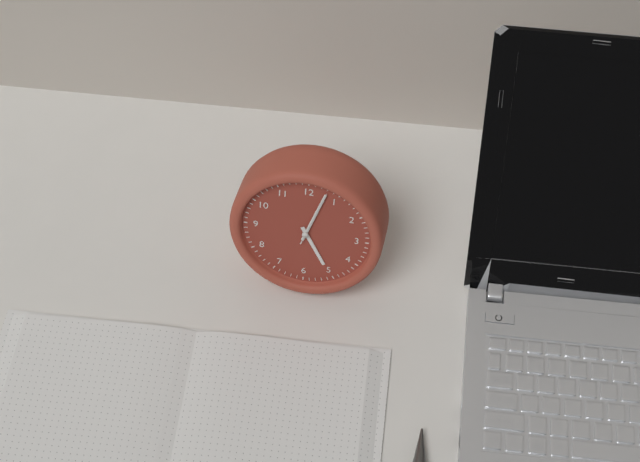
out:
5 h 03 min
